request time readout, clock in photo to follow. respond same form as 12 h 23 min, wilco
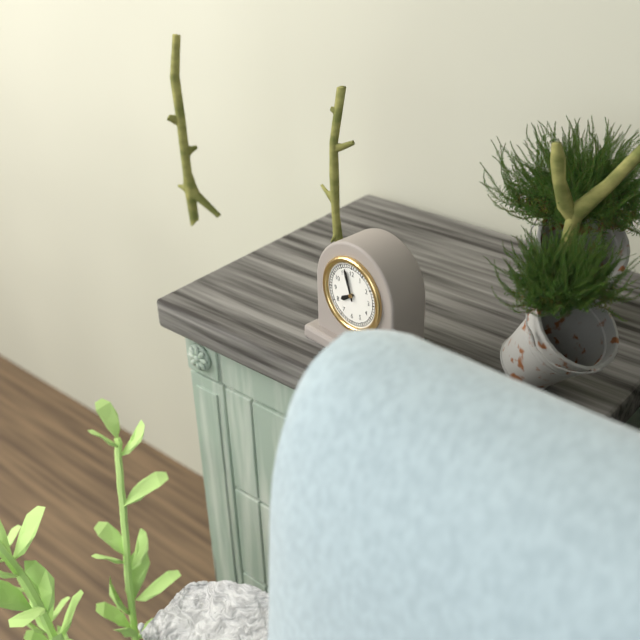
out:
7 h 57 min
